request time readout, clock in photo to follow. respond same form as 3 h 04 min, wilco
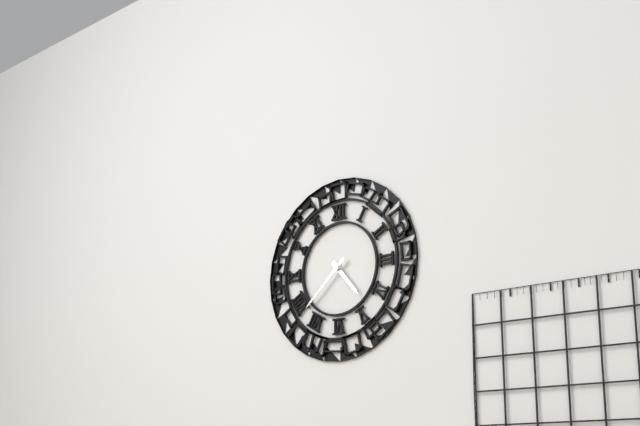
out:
4 h 38 min
